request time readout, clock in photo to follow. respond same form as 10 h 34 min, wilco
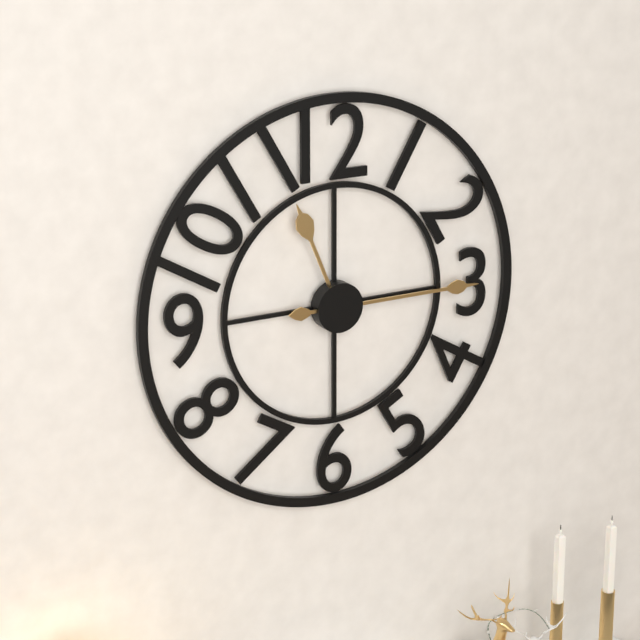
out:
11 h 15 min
